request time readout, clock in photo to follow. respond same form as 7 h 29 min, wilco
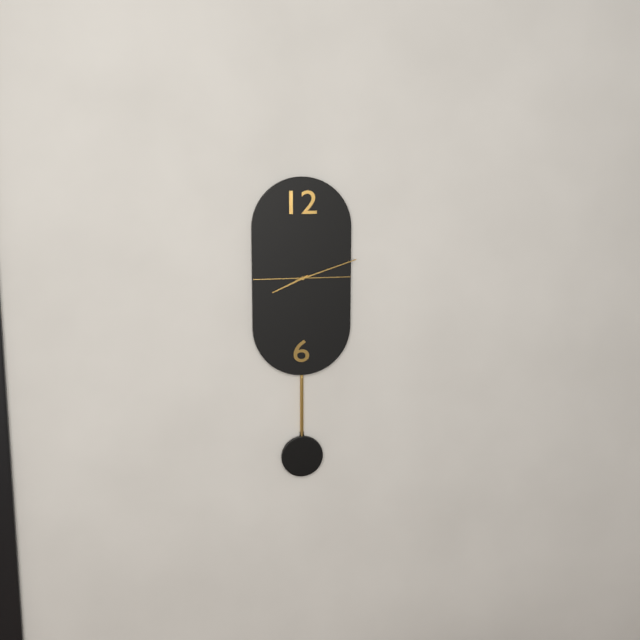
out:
8 h 12 min
